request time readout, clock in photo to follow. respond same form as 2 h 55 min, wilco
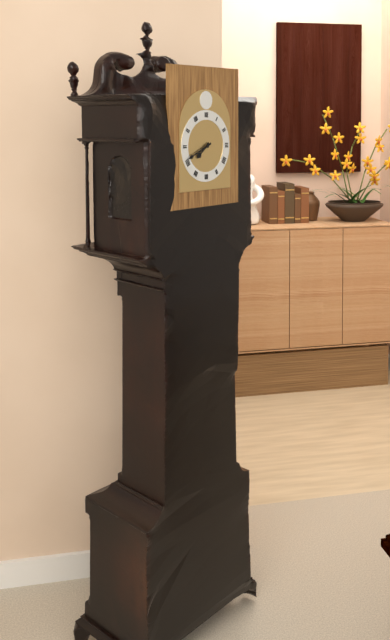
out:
7 h 41 min
